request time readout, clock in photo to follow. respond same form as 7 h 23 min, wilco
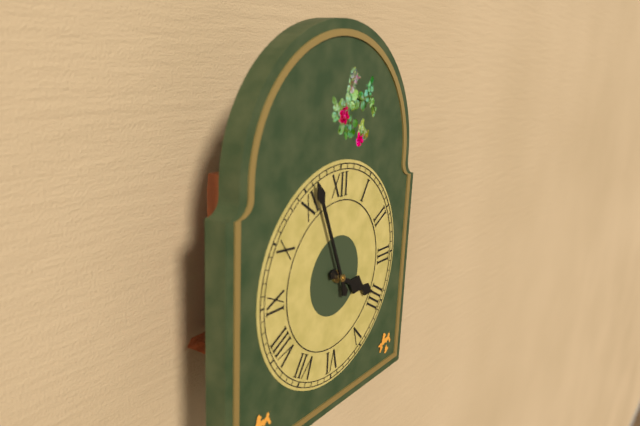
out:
3 h 56 min
